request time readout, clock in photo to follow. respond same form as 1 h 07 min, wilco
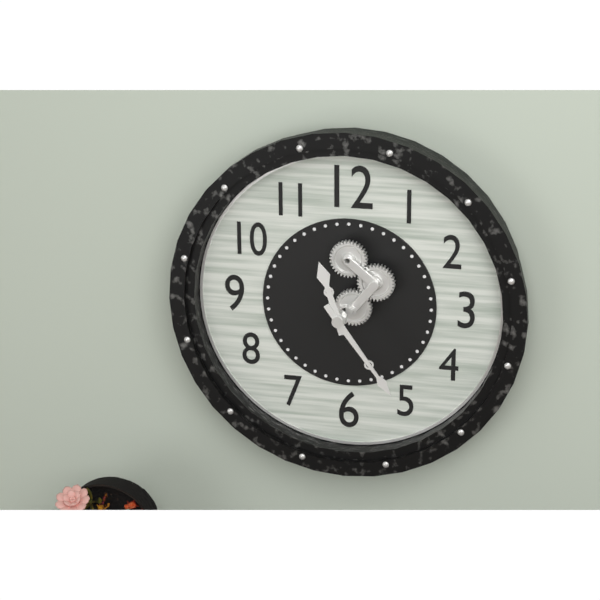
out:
11 h 24 min
